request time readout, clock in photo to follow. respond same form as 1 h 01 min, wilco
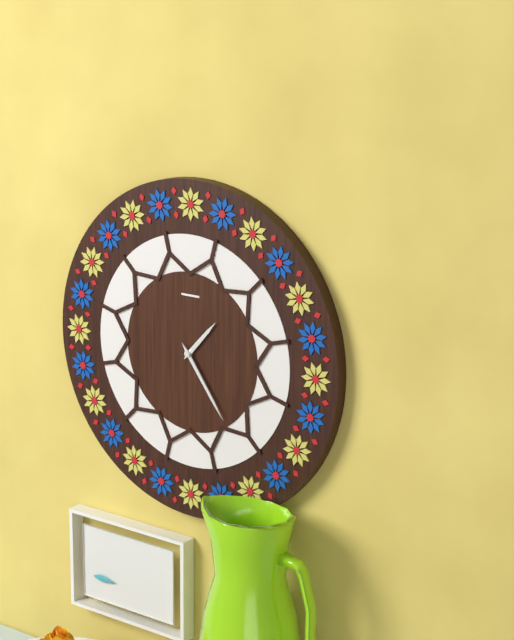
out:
1 h 24 min
